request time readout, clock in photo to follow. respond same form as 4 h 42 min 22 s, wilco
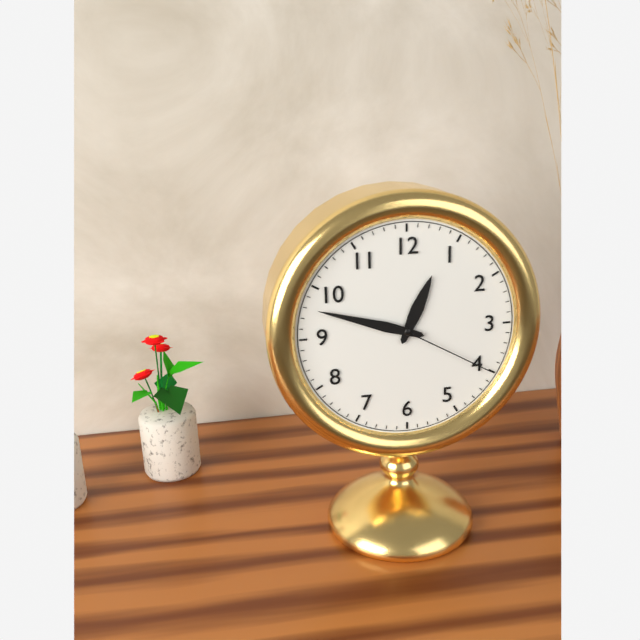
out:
12 h 48 min 20 s
